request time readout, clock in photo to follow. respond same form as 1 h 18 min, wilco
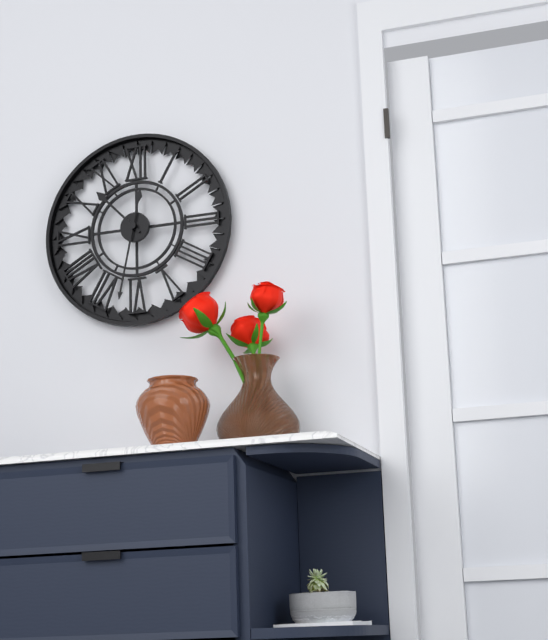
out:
10 h 32 min
